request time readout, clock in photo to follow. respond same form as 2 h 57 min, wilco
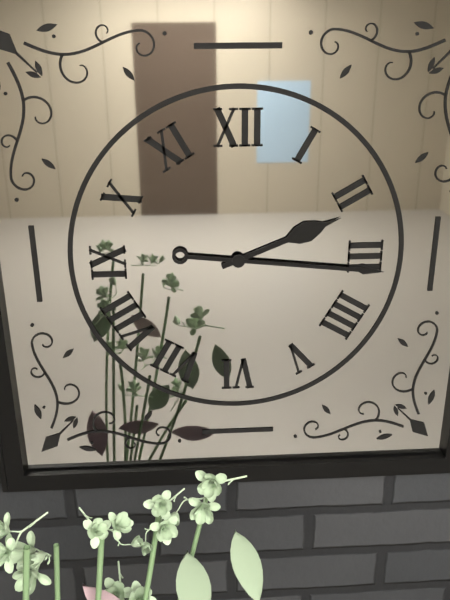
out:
2 h 16 min
